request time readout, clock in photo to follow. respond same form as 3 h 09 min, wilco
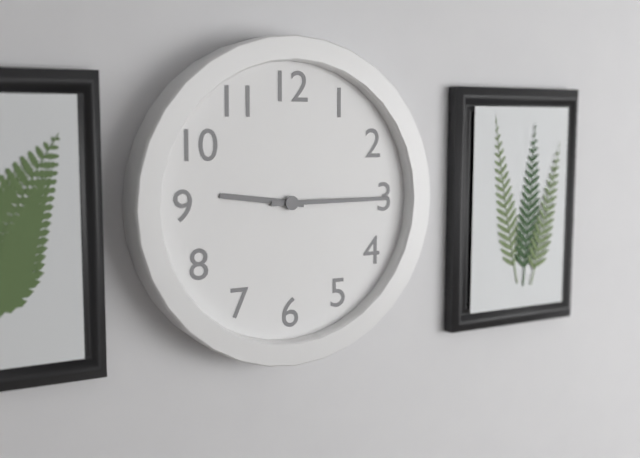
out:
9 h 15 min
